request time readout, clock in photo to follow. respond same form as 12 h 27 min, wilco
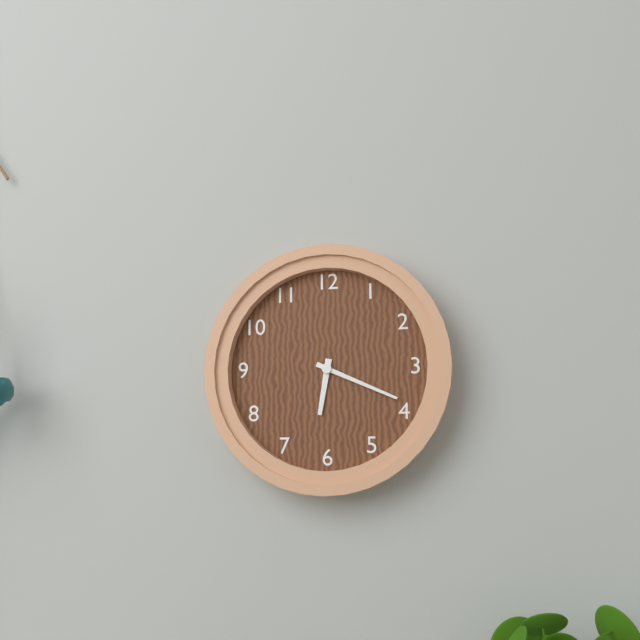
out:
6 h 19 min
